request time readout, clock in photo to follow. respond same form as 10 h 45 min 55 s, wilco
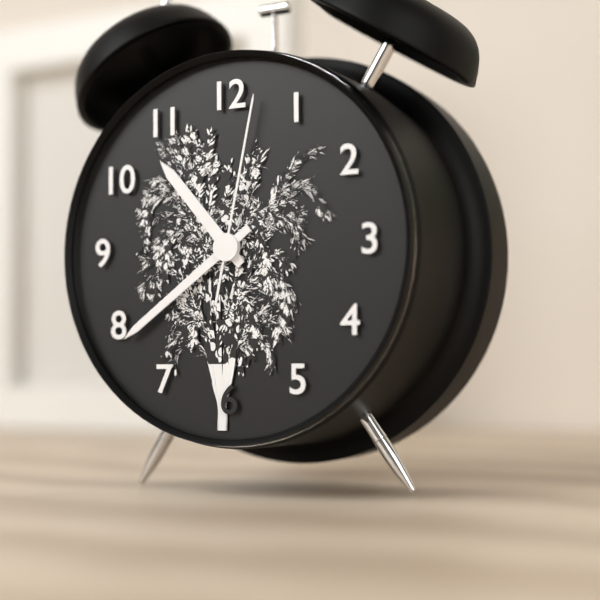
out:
10 h 39 min 02 s
